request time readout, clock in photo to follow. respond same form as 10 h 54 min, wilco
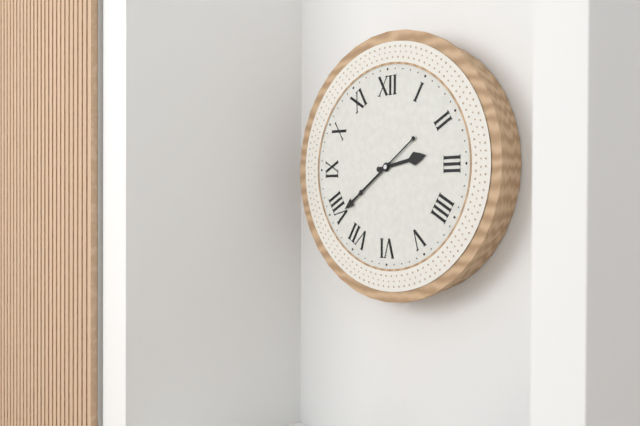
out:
2 h 39 min
